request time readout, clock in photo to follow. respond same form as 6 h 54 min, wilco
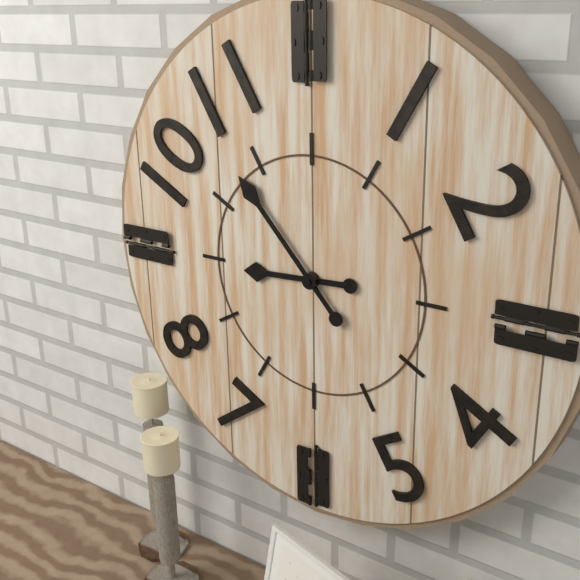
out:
8 h 53 min
